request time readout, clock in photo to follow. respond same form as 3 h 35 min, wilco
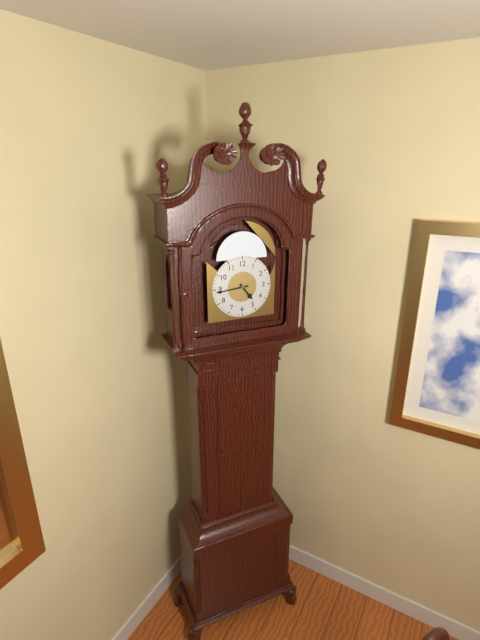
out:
4 h 44 min
